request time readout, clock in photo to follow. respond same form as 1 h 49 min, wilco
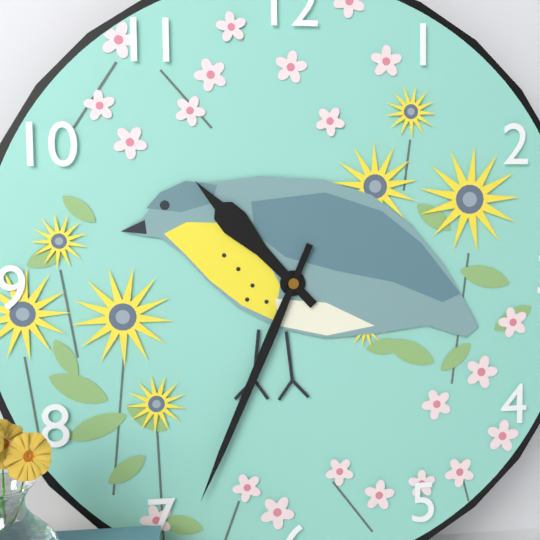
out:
10 h 34 min
